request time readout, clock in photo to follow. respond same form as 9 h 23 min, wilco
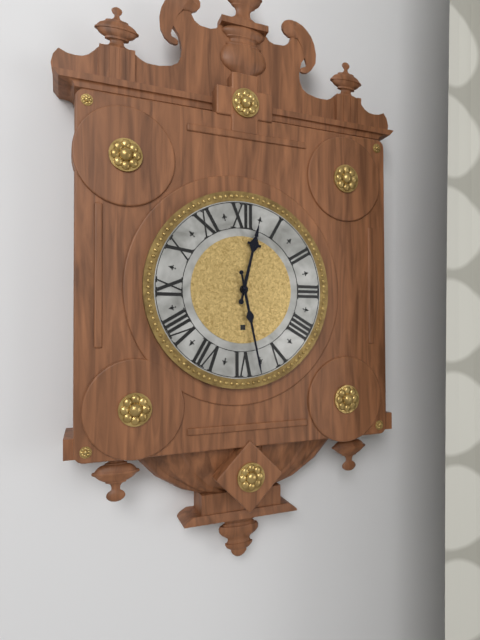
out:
12 h 28 min
